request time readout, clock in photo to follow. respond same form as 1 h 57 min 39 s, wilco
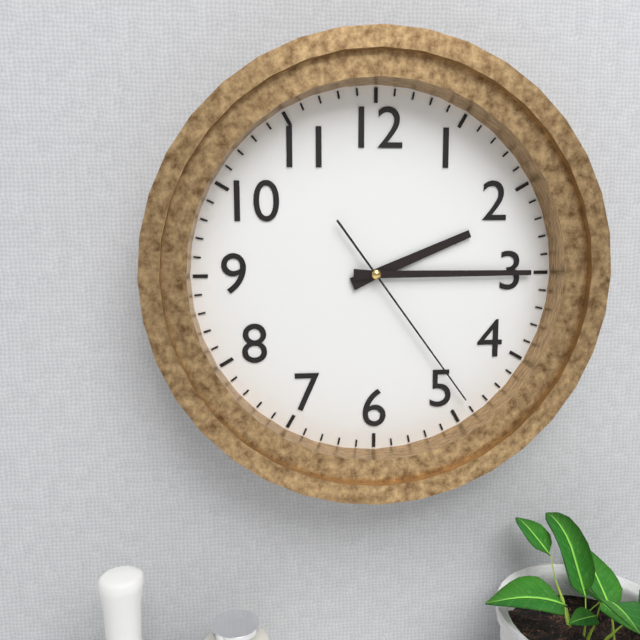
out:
2 h 15 min 24 s
